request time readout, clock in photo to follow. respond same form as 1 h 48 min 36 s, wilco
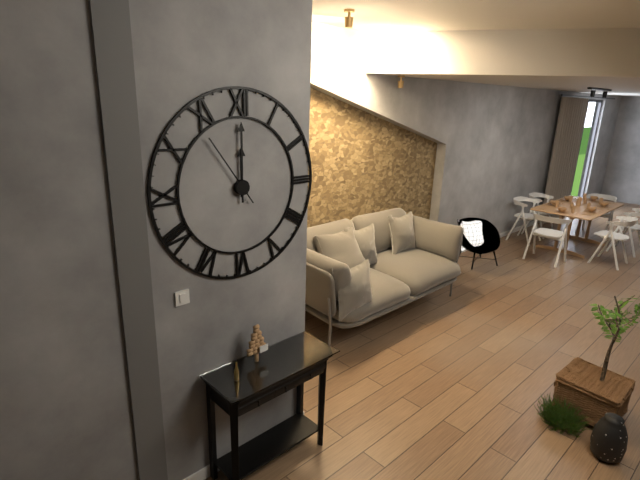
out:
12 h 00 min 54 s
